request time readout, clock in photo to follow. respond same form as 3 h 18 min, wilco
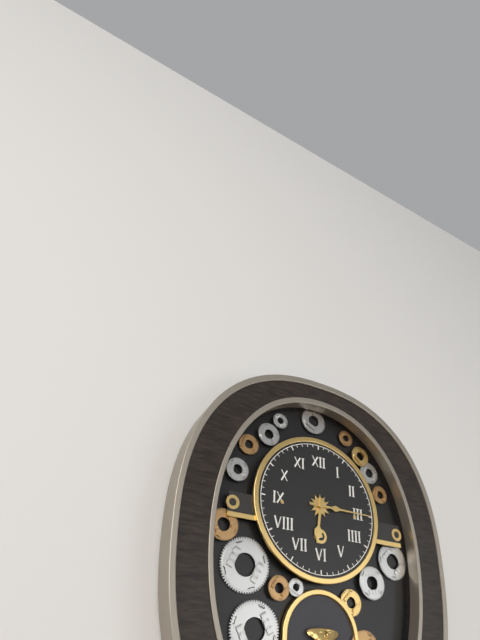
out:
6 h 15 min
